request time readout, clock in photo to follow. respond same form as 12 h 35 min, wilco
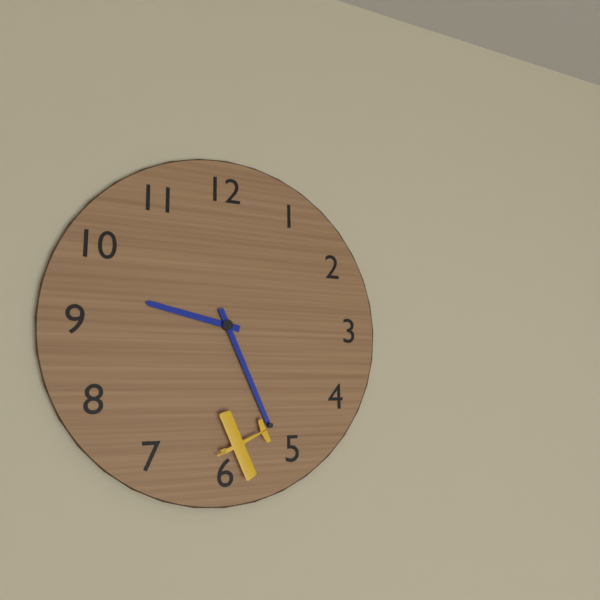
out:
9 h 26 min
